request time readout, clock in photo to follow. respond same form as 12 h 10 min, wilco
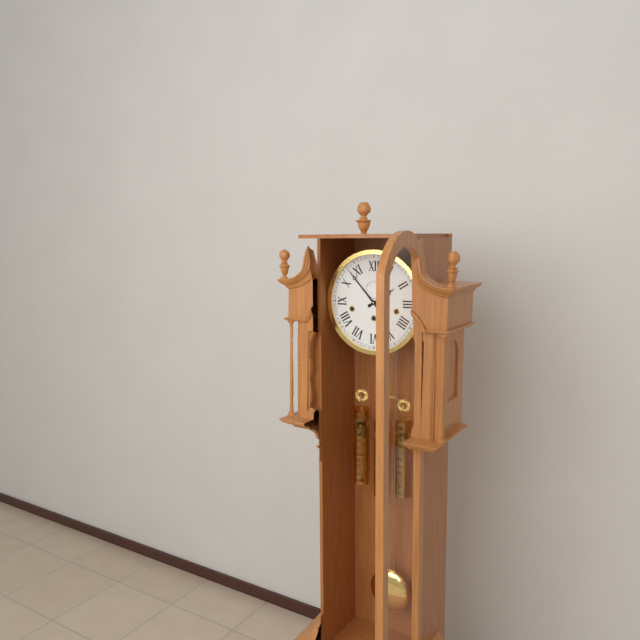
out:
1 h 53 min
